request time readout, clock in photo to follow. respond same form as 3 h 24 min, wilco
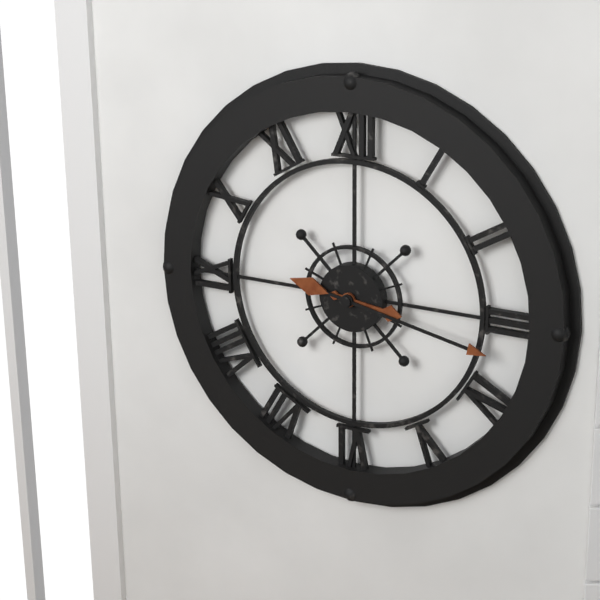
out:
3 h 17 min
